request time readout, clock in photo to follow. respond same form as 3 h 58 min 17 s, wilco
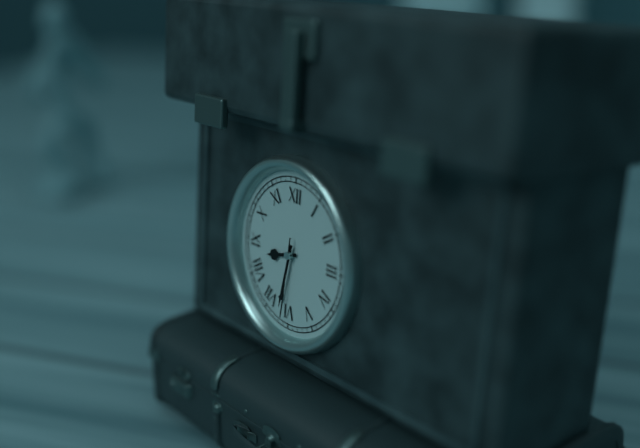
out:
8 h 32 min 31 s
